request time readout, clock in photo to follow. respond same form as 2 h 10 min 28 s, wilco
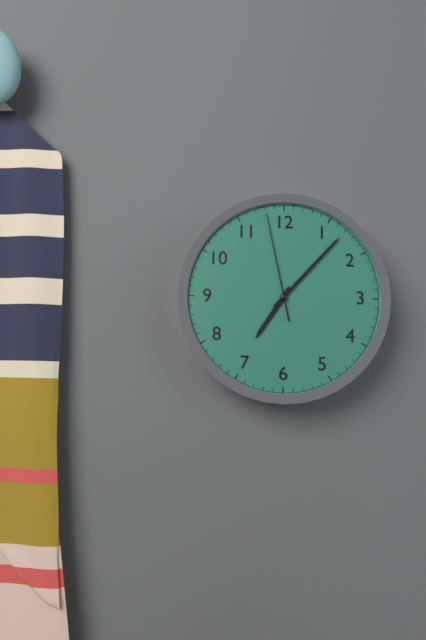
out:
7 h 07 min 58 s
